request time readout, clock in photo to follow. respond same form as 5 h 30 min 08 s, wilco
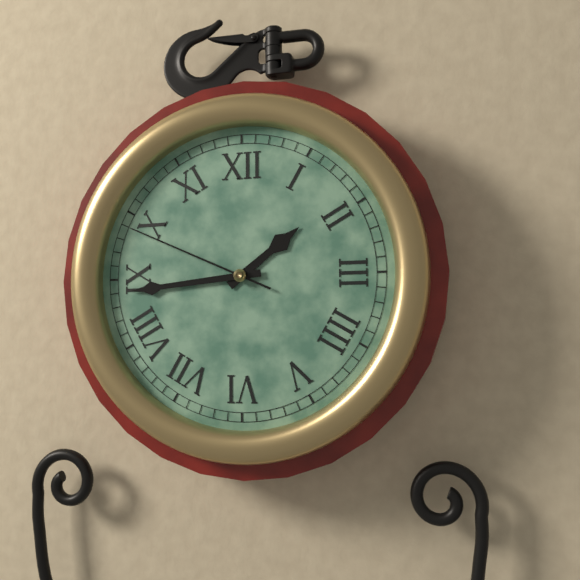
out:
1 h 44 min 49 s
